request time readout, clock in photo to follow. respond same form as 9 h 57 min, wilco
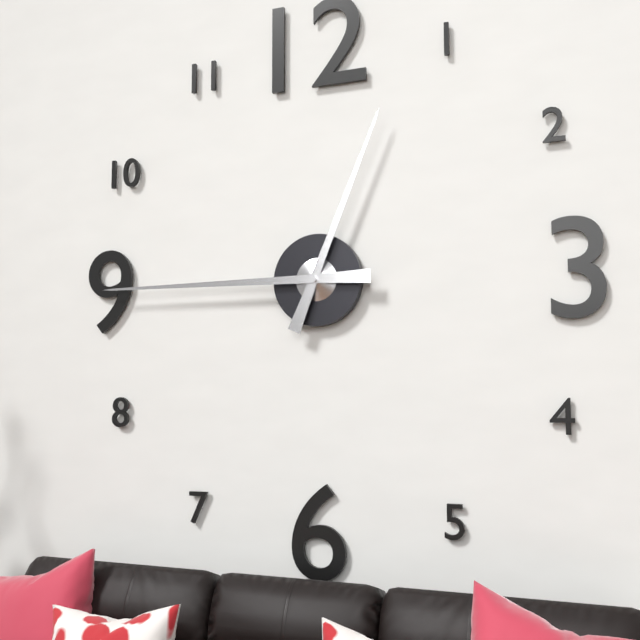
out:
12 h 45 min
